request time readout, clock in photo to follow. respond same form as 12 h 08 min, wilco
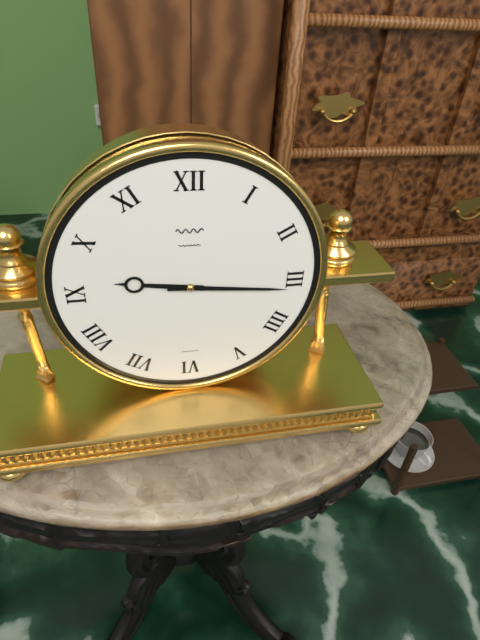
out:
9 h 16 min
